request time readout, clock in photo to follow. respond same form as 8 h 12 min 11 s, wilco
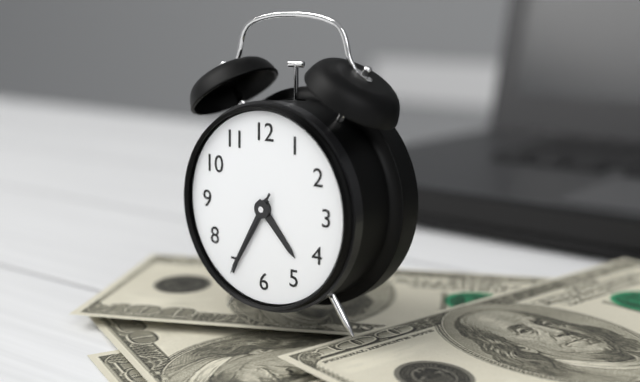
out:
4 h 35 min 35 s
